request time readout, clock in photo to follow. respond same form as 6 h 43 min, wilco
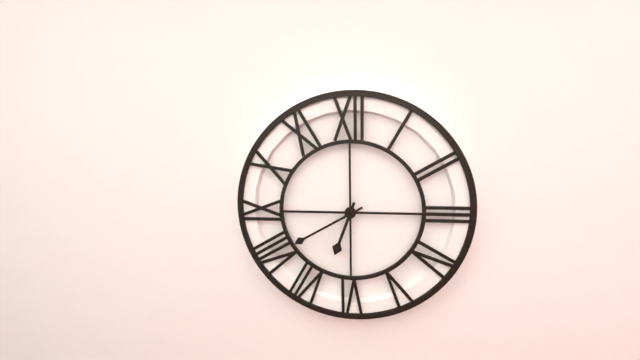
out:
6 h 40 min
